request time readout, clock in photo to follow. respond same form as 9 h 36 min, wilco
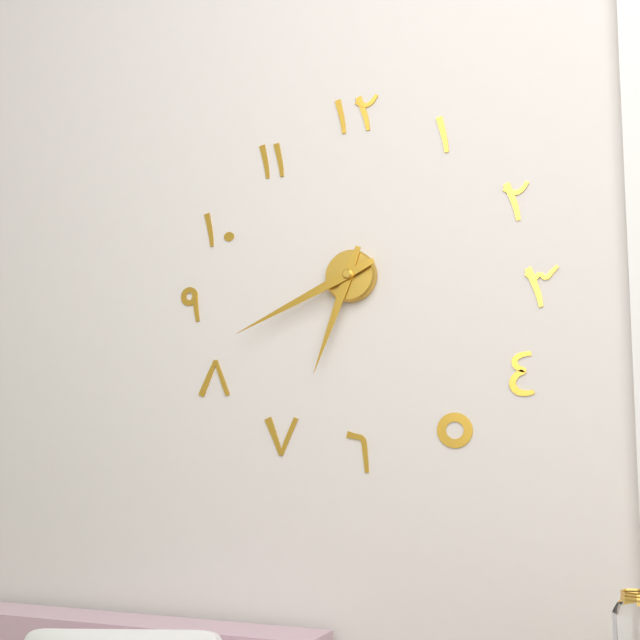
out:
6 h 41 min
